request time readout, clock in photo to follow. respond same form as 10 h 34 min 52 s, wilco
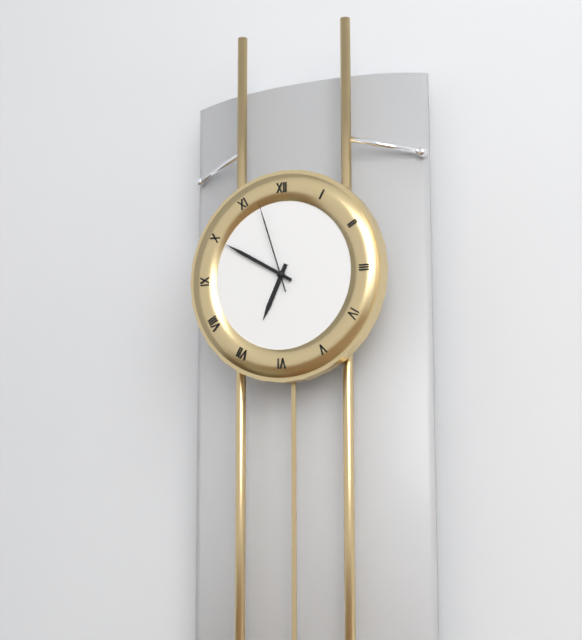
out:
6 h 50 min 57 s
